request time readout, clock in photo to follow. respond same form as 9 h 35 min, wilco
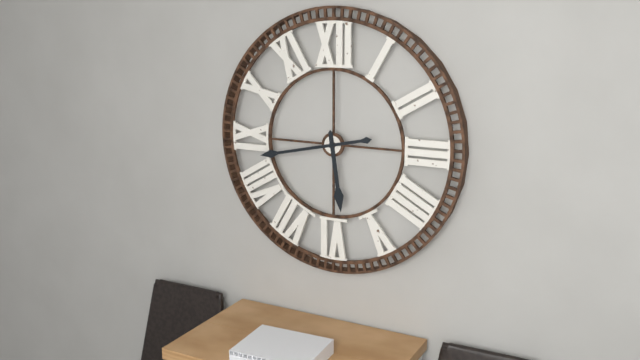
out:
5 h 43 min
